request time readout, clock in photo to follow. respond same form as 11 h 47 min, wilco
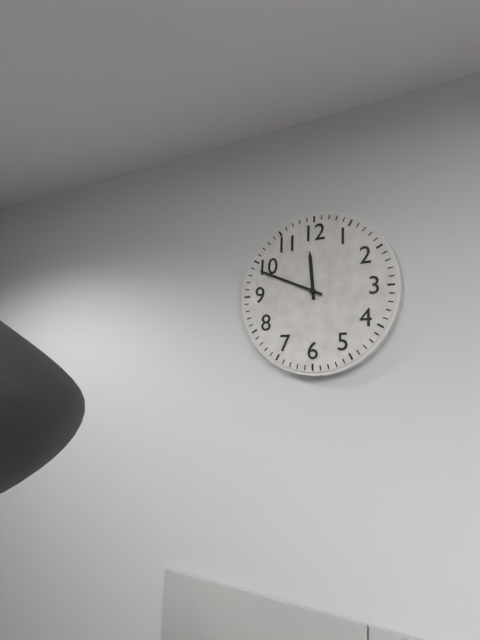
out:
11 h 49 min
